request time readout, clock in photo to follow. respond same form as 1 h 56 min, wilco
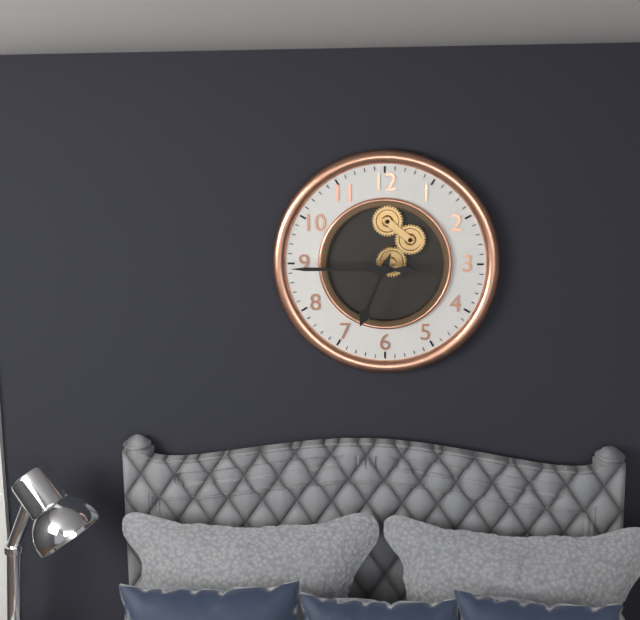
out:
6 h 45 min
